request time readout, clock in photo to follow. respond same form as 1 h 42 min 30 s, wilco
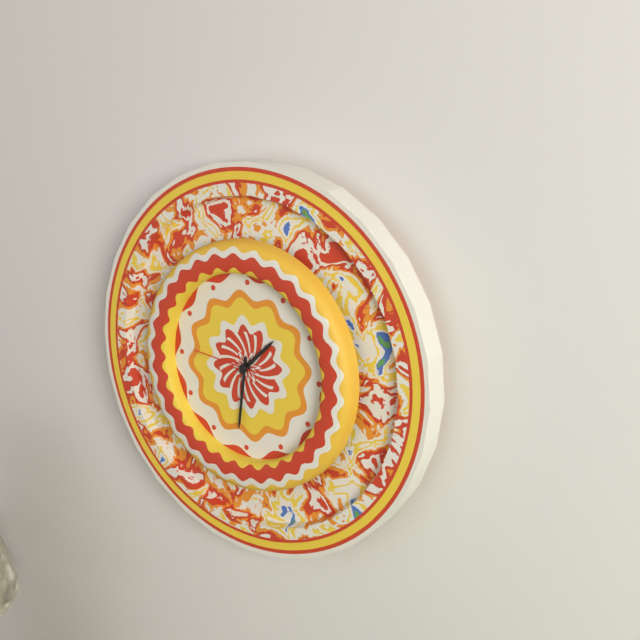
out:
1 h 31 min 46 s
